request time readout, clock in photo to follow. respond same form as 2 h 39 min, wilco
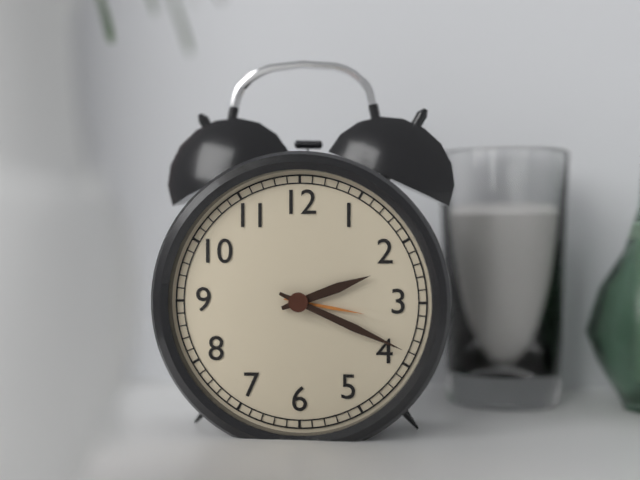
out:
2 h 19 min
